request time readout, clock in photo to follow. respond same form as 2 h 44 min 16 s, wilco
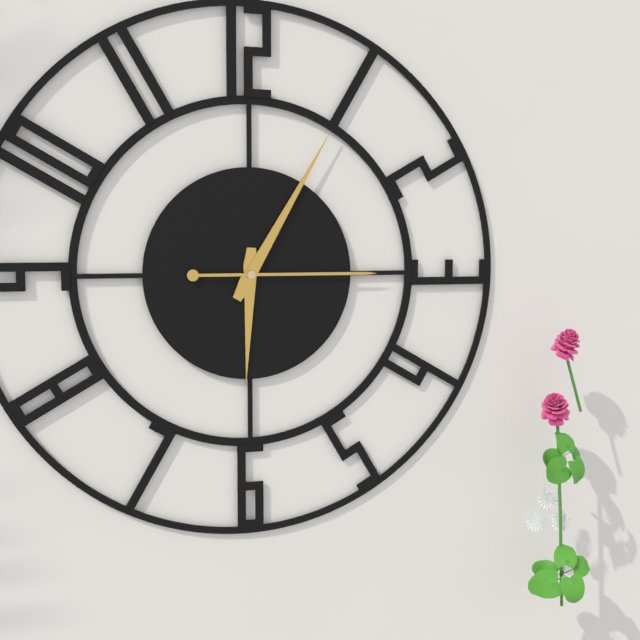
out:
6 h 05 min 15 s
